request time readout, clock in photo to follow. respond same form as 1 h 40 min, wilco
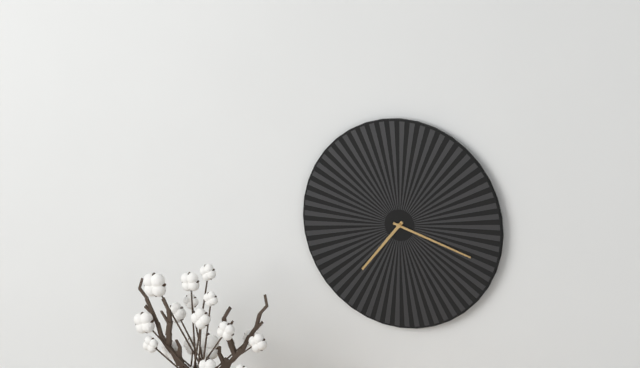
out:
7 h 18 min
